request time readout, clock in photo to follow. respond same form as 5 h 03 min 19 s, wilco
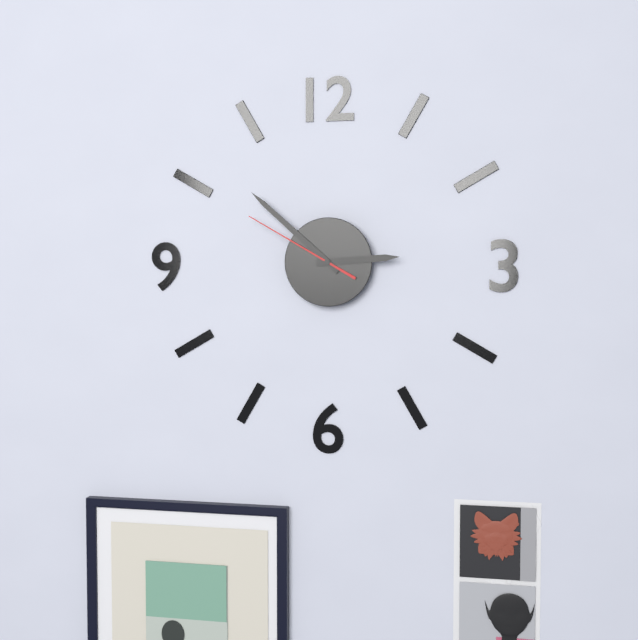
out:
2 h 52 min 50 s
